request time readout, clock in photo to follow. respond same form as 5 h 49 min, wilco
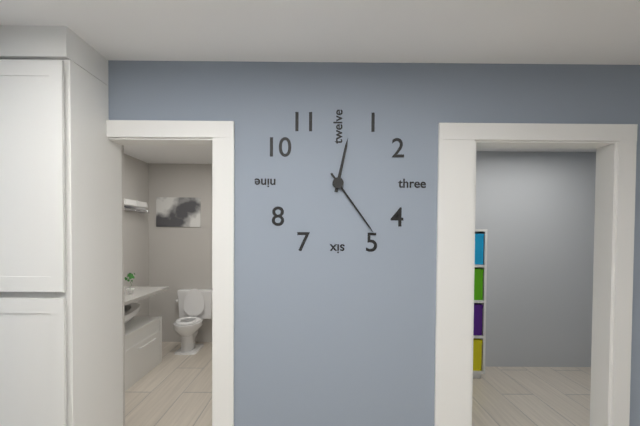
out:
12 h 24 min
